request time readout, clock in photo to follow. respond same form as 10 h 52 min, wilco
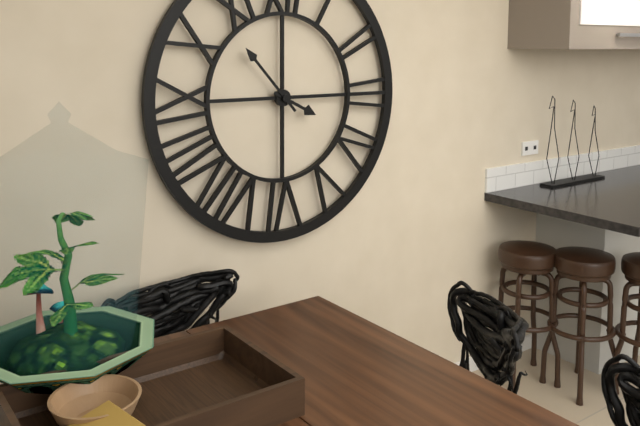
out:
3 h 53 min
